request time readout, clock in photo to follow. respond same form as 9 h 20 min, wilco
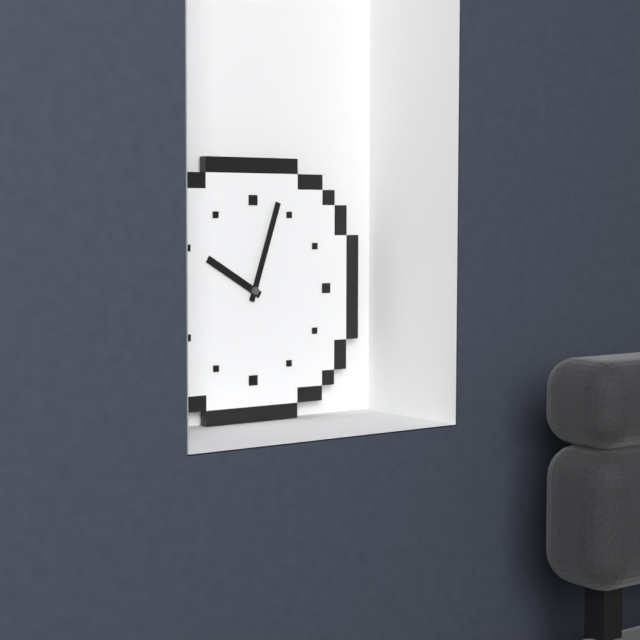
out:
10 h 03 min
